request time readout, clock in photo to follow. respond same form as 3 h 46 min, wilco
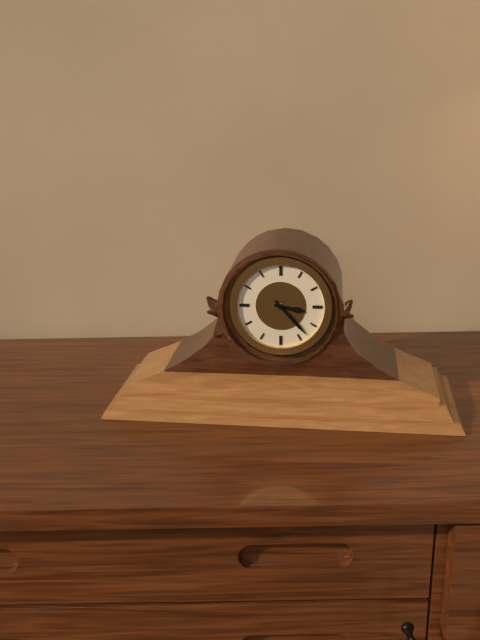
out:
3 h 23 min
